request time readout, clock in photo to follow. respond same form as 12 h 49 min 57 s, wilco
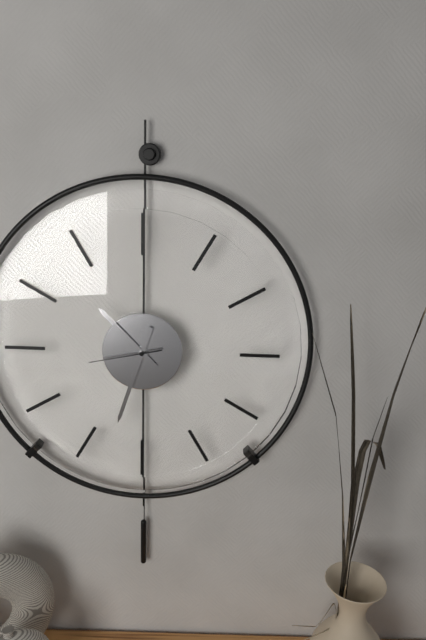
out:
10 h 33 min 43 s
